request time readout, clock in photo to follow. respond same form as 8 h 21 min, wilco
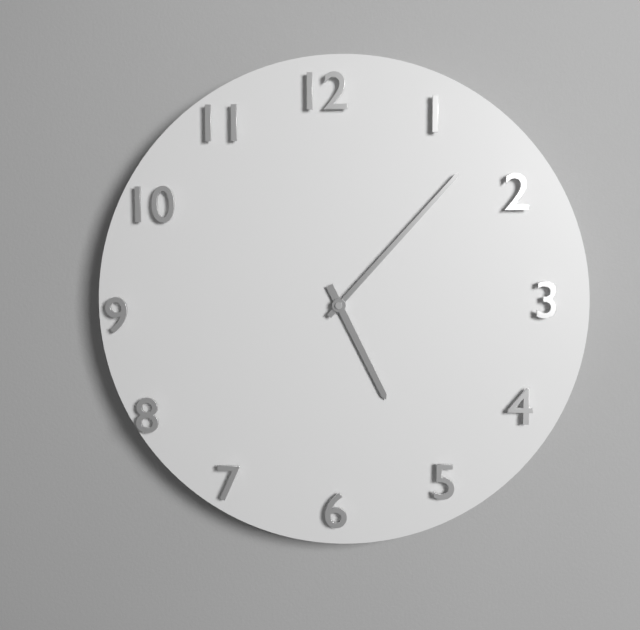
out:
5 h 07 min
